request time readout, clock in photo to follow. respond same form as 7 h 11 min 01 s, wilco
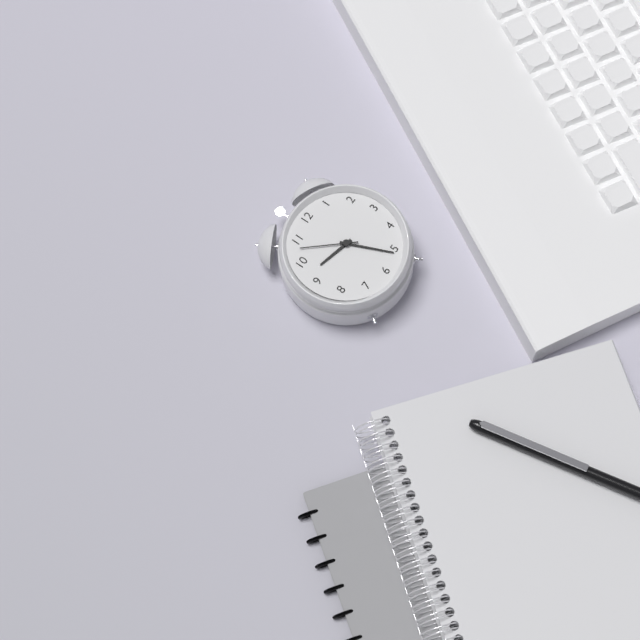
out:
9 h 26 min 53 s
